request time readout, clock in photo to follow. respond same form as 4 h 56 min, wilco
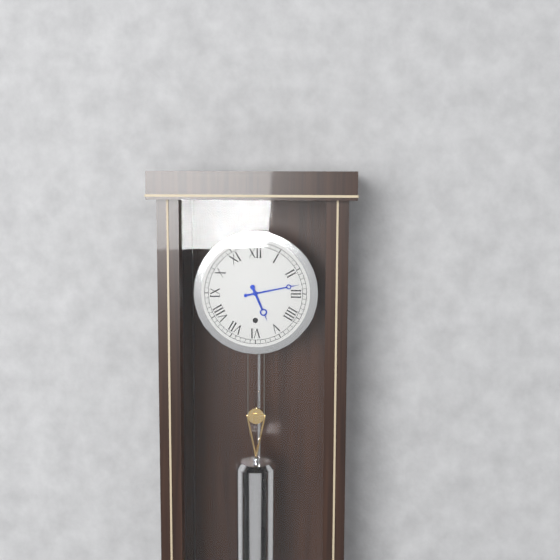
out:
5 h 13 min
